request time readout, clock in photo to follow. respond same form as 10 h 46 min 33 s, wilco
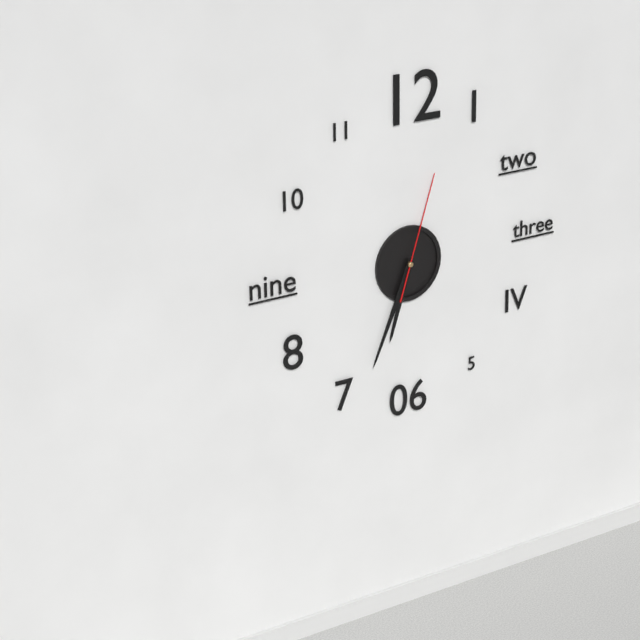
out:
6 h 34 min 03 s
